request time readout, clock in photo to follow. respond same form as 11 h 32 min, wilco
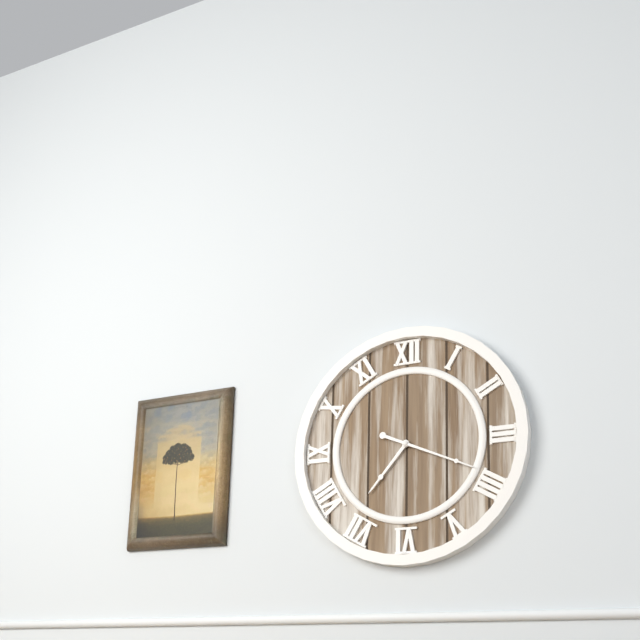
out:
7 h 19 min
